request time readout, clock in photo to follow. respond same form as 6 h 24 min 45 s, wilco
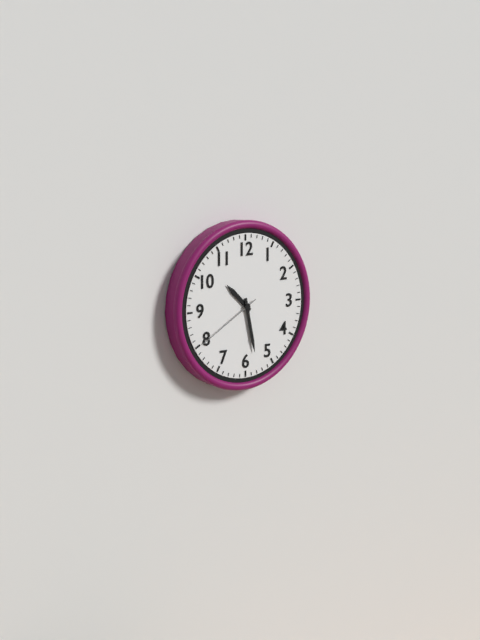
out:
10 h 28 min 40 s
